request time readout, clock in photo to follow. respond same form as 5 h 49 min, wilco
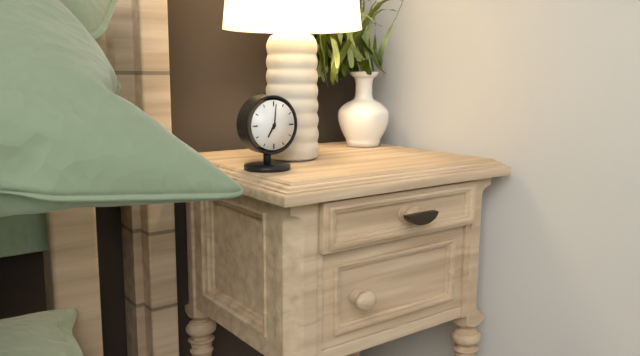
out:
7 h 01 min
